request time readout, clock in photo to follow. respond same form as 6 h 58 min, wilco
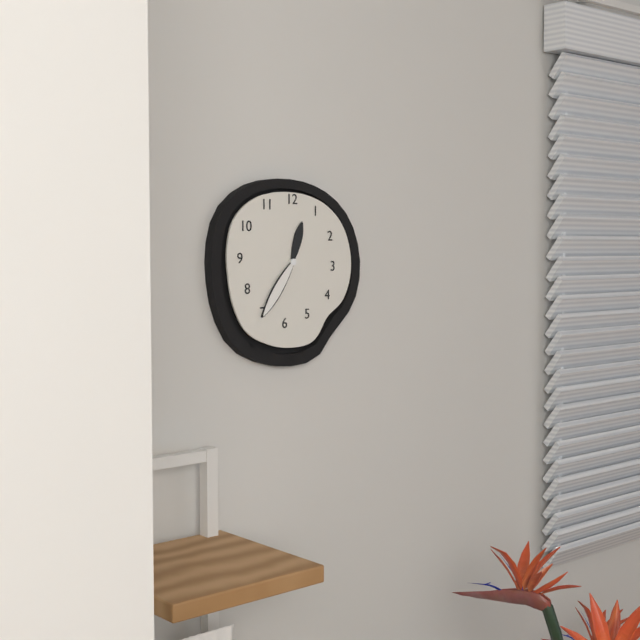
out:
12 h 36 min
